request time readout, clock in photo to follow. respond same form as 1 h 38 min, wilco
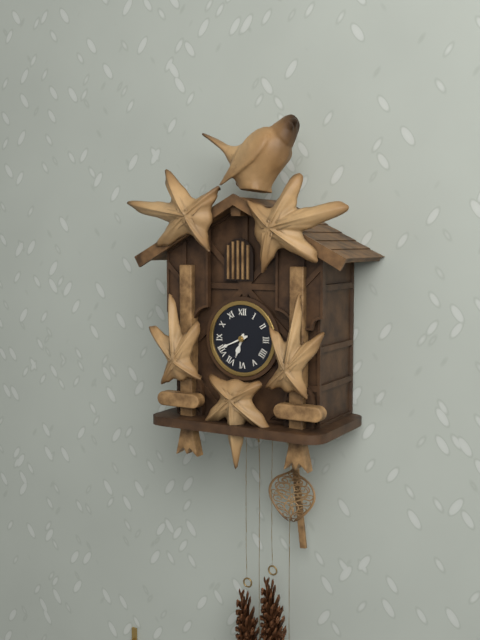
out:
6 h 41 min
